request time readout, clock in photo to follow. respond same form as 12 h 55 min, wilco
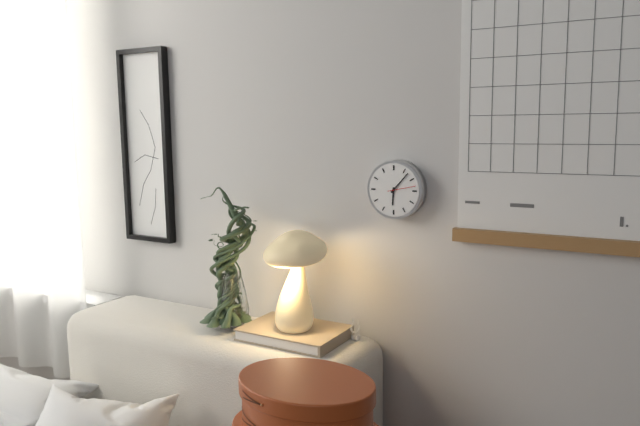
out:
6 h 07 min
